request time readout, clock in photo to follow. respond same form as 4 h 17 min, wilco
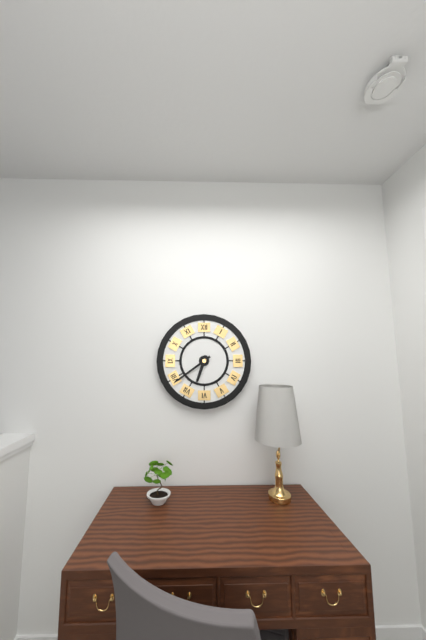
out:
6 h 39 min
